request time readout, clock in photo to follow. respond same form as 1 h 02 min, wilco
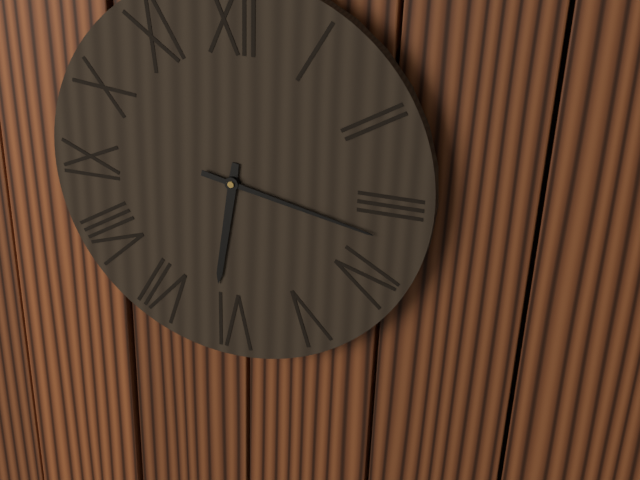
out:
6 h 17 min
